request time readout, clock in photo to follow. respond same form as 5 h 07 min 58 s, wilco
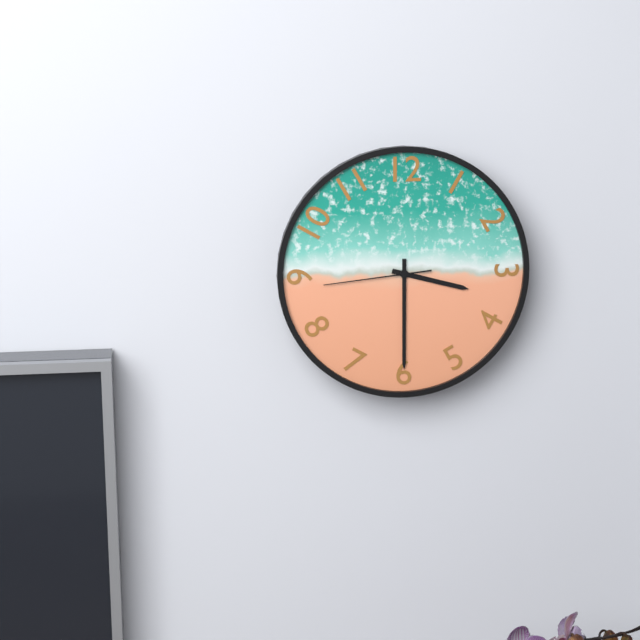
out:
3 h 30 min 44 s
